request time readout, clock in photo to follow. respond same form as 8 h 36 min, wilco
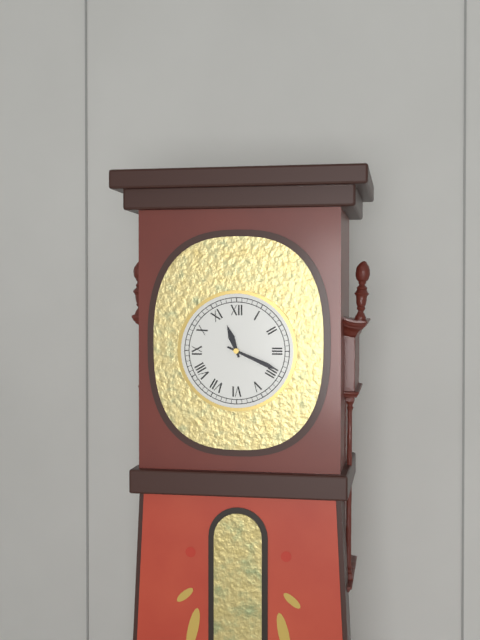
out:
11 h 19 min
